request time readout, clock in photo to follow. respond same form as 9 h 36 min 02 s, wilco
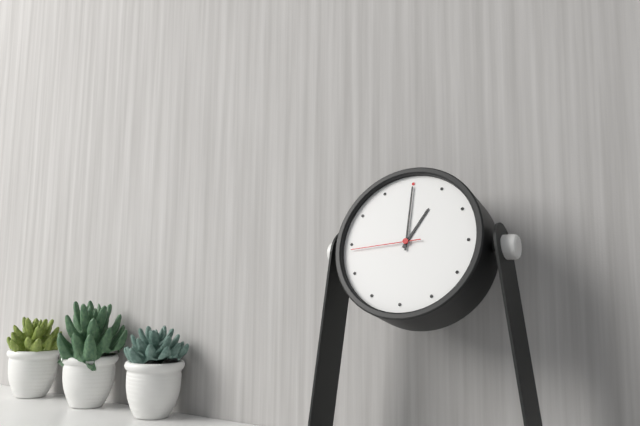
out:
1 h 00 min 44 s
